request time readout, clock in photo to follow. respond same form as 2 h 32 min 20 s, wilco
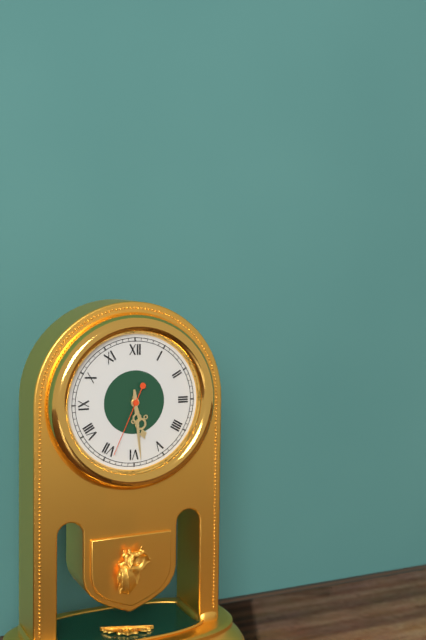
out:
5 h 29 min 34 s
